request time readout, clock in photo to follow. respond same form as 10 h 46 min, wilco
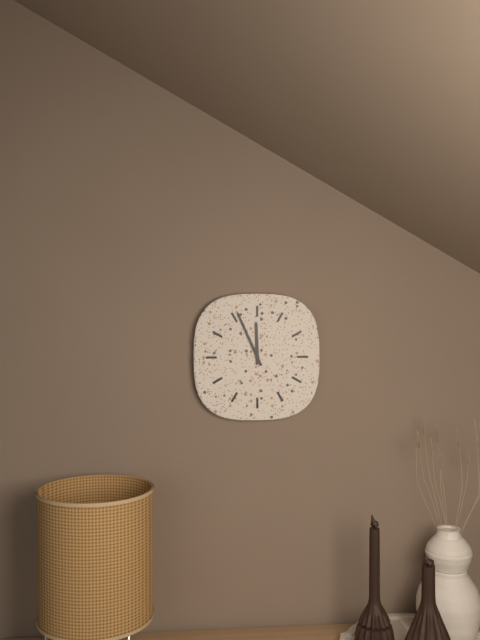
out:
11 h 56 min
